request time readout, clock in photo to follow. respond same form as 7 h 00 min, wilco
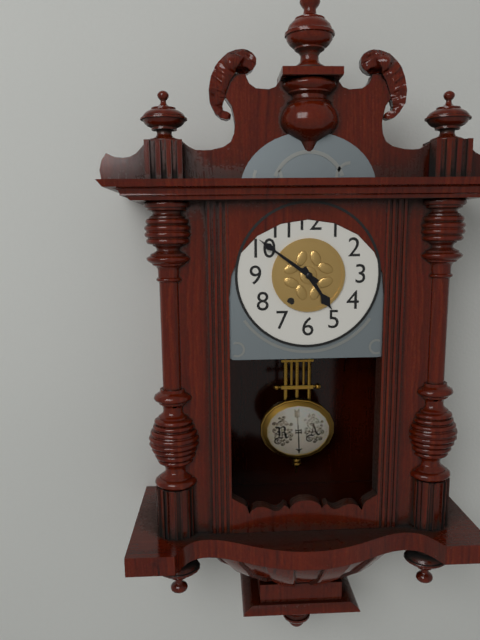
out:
4 h 51 min
